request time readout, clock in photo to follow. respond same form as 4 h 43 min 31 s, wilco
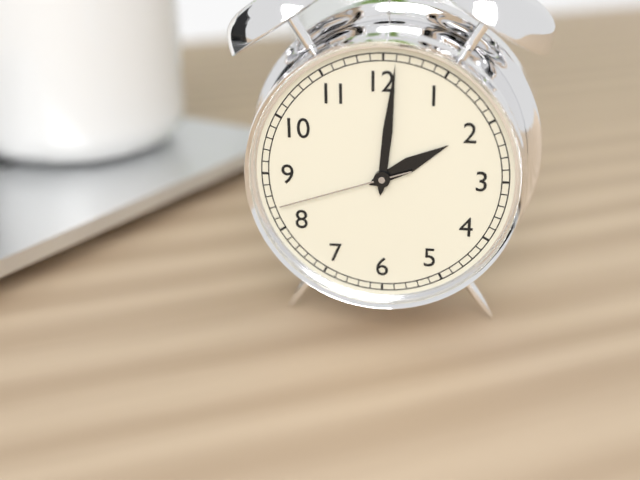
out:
2 h 01 min 42 s
